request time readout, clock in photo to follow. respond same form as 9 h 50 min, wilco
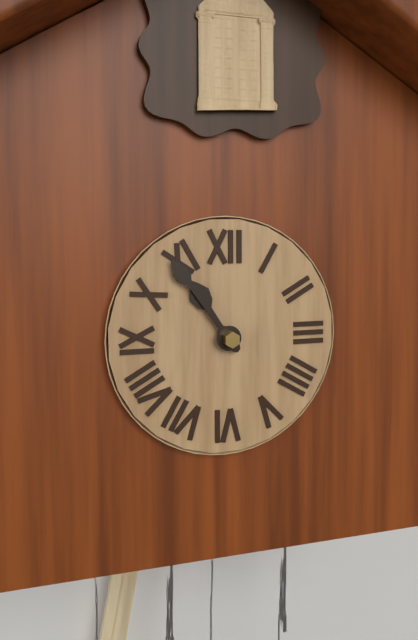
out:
10 h 54 min
